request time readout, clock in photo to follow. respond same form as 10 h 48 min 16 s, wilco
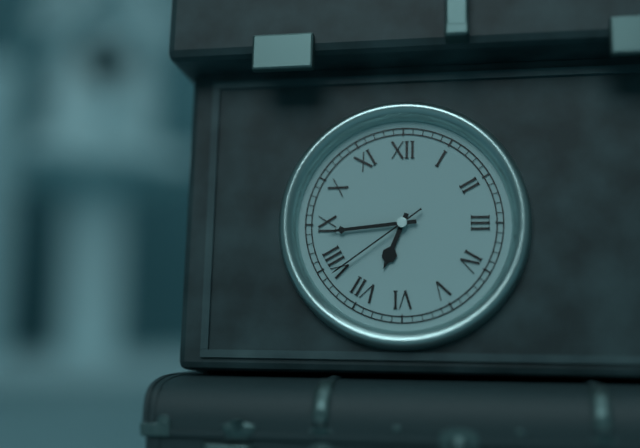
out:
6 h 44 min 39 s
